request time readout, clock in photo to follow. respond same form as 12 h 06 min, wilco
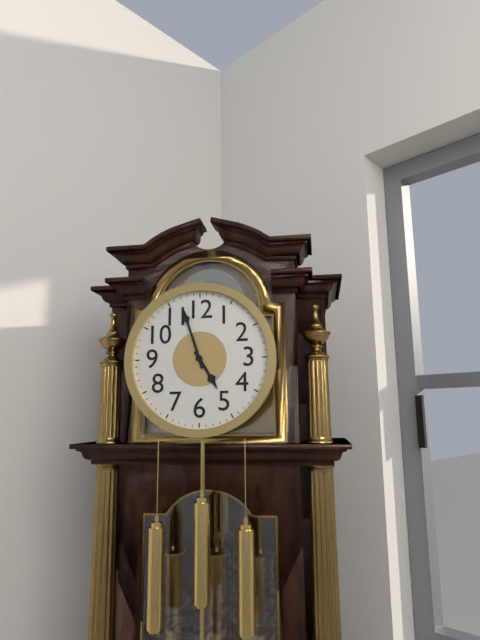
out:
4 h 57 min
